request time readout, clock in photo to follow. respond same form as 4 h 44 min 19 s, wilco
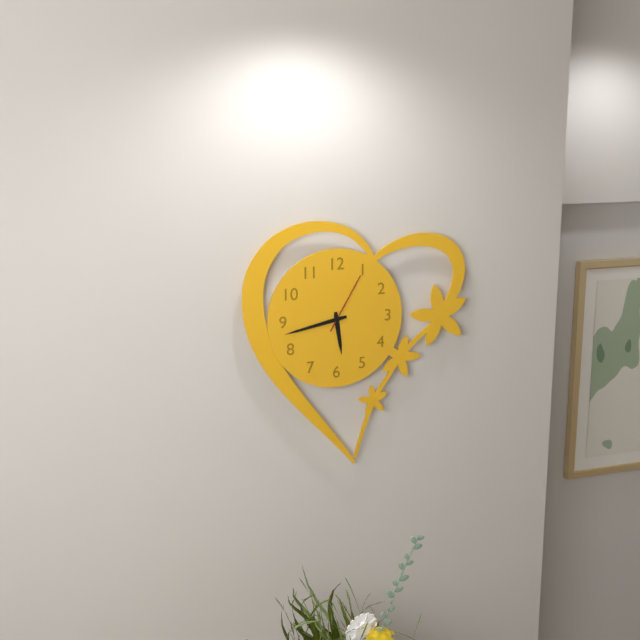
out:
5 h 43 min 05 s
